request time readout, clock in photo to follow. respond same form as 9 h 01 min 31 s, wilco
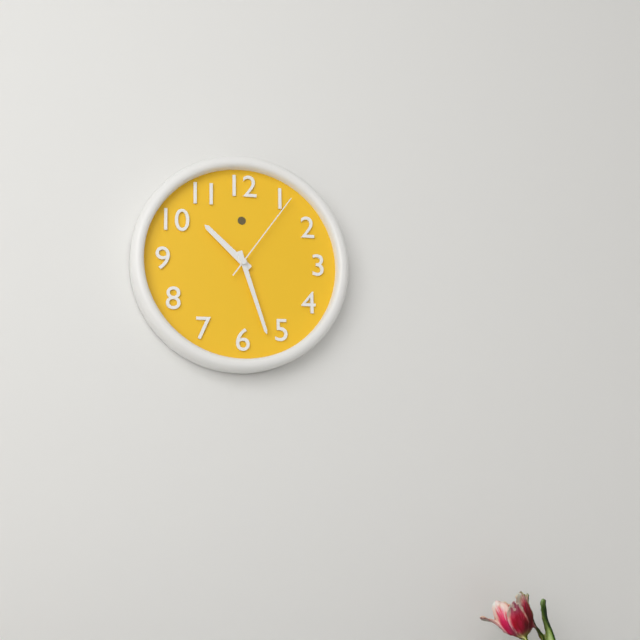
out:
10 h 27 min 06 s
